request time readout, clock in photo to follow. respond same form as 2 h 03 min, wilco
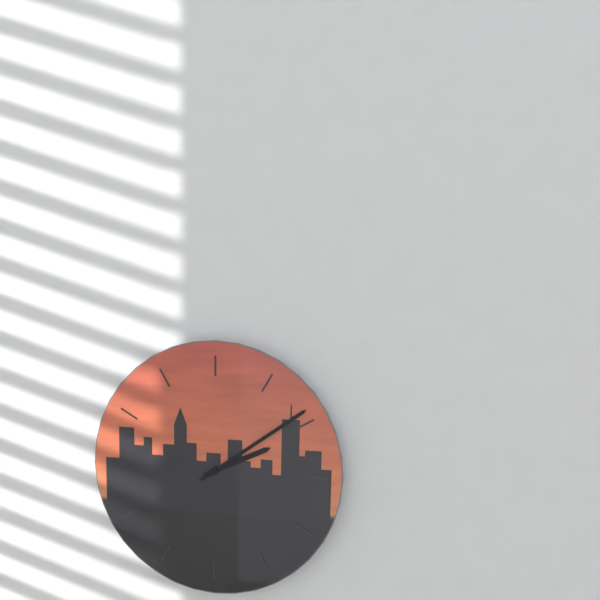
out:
2 h 09 min
